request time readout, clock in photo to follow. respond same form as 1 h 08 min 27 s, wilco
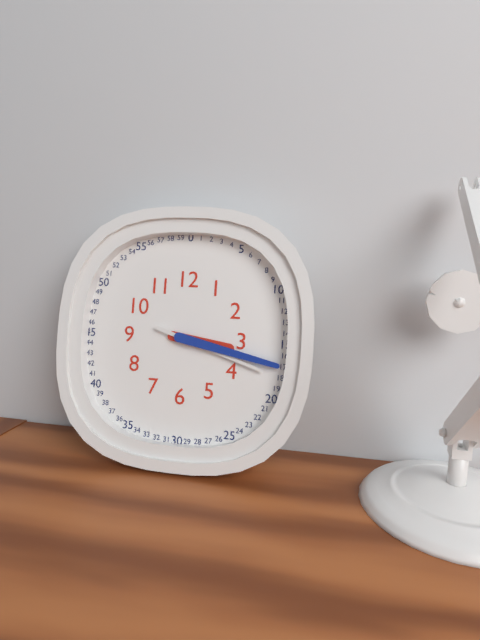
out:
3 h 17 min 18 s
